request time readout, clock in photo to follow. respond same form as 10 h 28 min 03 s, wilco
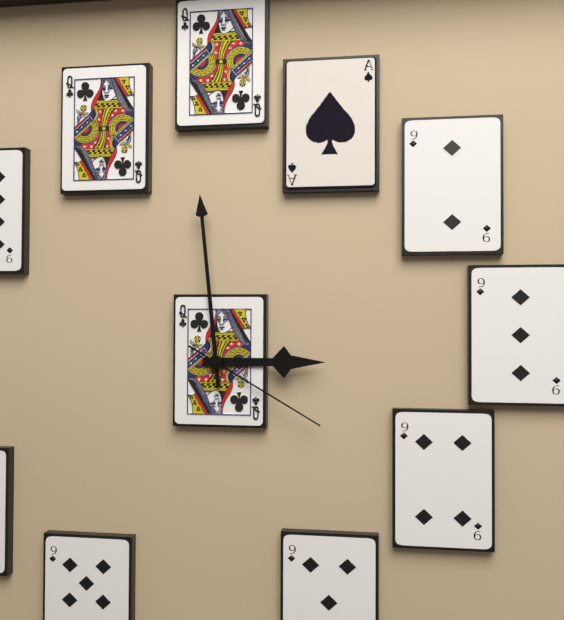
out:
2 h 59 min 20 s
